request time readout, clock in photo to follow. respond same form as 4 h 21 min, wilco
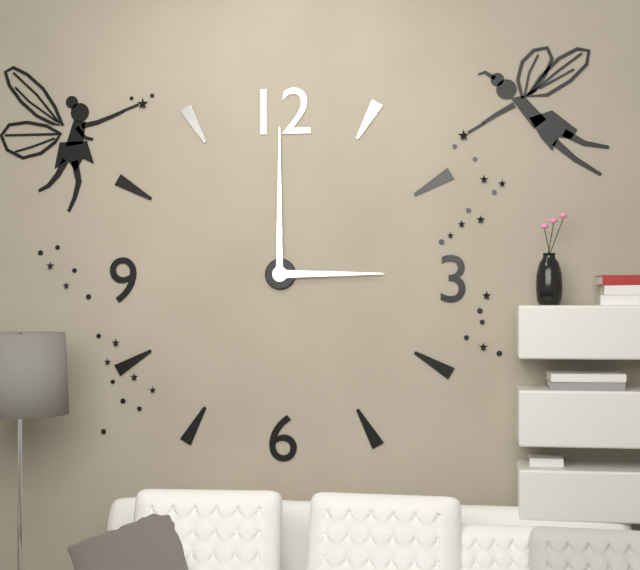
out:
3 h 00 min
